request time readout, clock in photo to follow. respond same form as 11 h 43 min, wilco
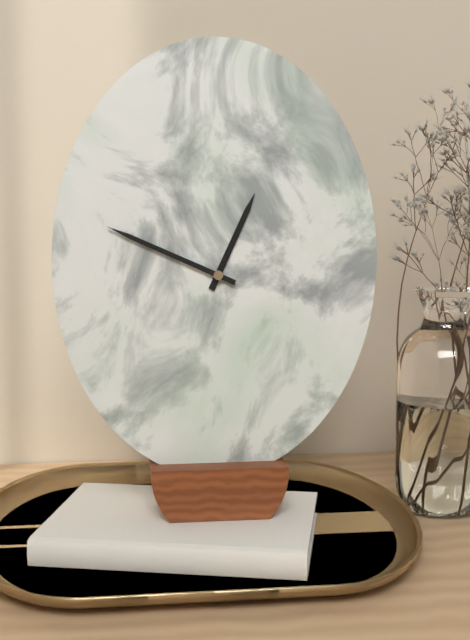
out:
12 h 49 min
